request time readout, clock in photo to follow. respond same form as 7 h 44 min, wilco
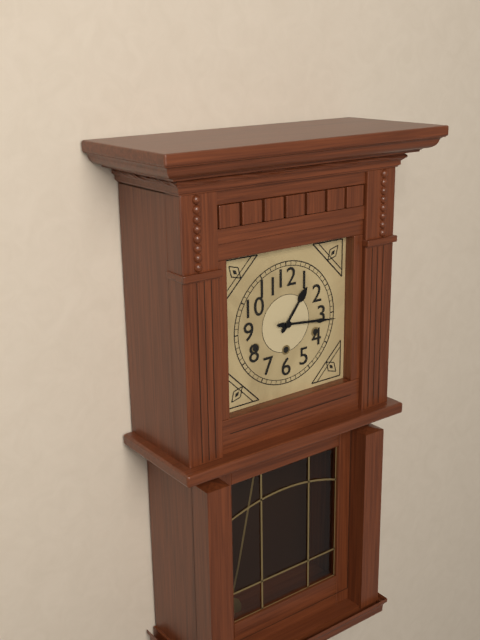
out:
1 h 16 min
